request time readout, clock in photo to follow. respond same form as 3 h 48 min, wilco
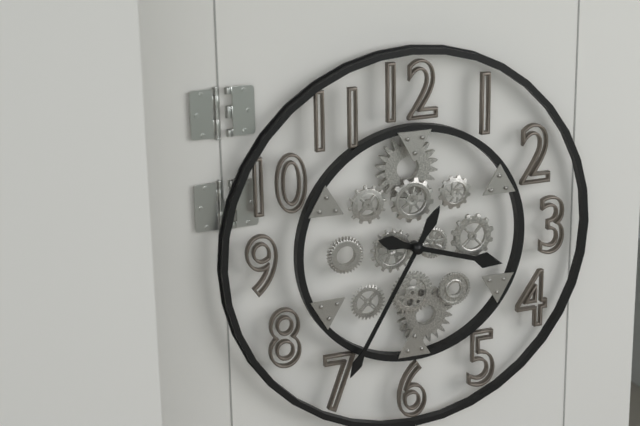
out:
3 h 35 min
